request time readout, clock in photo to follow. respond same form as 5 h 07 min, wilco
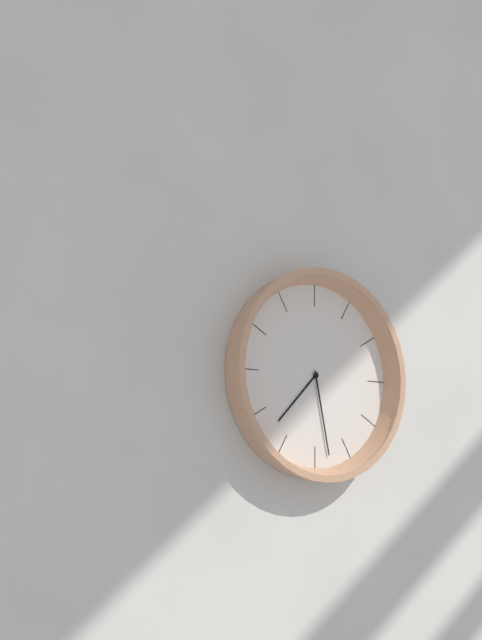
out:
7 h 28 min
